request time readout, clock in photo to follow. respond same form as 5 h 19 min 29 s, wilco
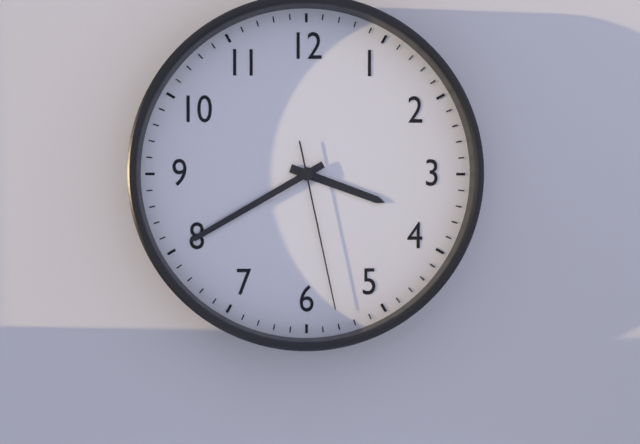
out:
3 h 40 min 28 s
